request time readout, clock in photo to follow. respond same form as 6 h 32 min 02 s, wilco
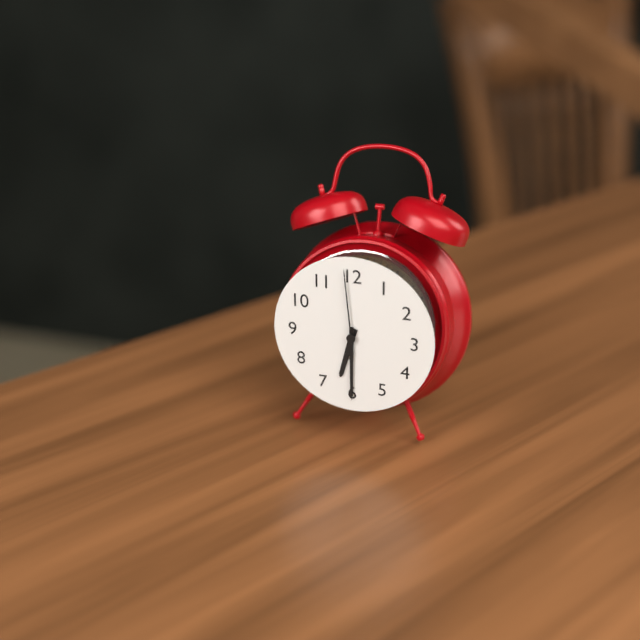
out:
6 h 30 min 59 s
